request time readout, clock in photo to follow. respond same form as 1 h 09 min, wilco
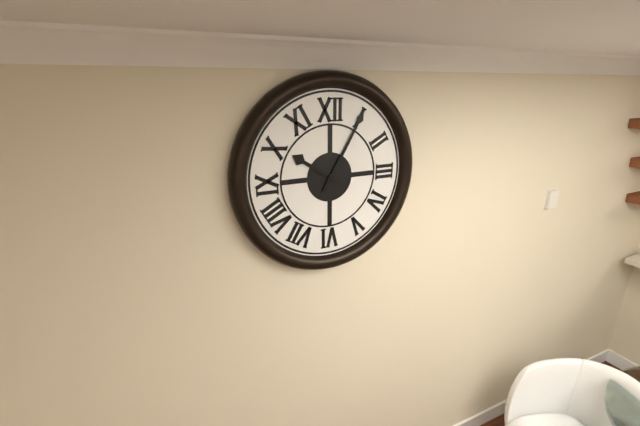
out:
10 h 05 min
